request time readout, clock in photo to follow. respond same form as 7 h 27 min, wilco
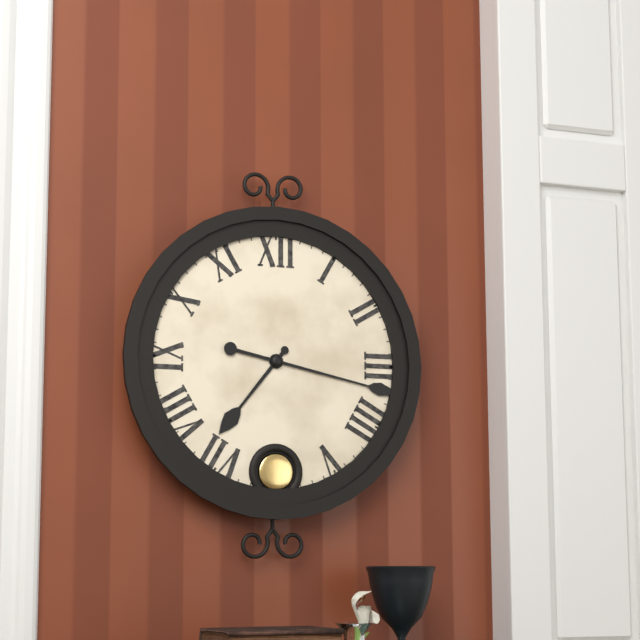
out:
7 h 17 min
